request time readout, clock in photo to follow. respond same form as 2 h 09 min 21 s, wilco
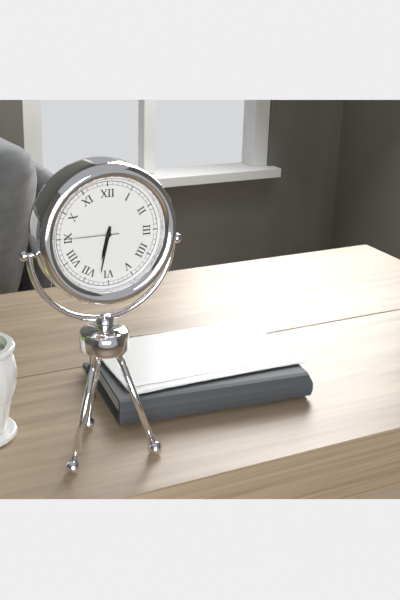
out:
6 h 32 min 45 s
